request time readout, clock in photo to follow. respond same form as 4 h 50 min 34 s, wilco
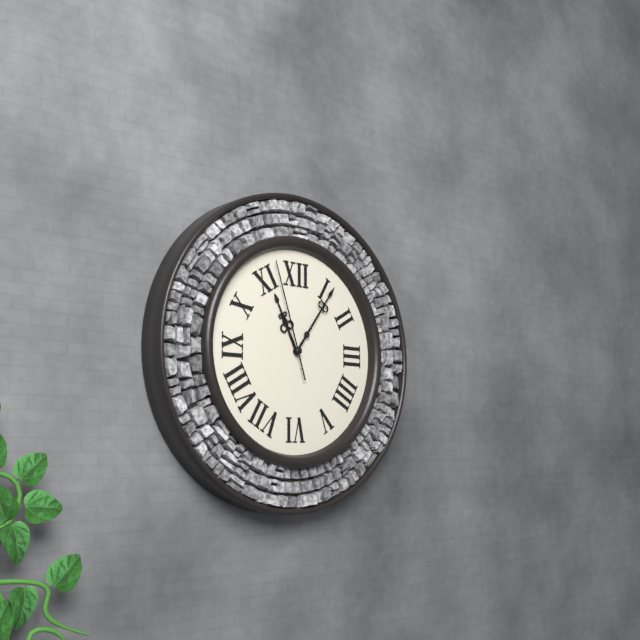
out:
11 h 06 min 57 s
